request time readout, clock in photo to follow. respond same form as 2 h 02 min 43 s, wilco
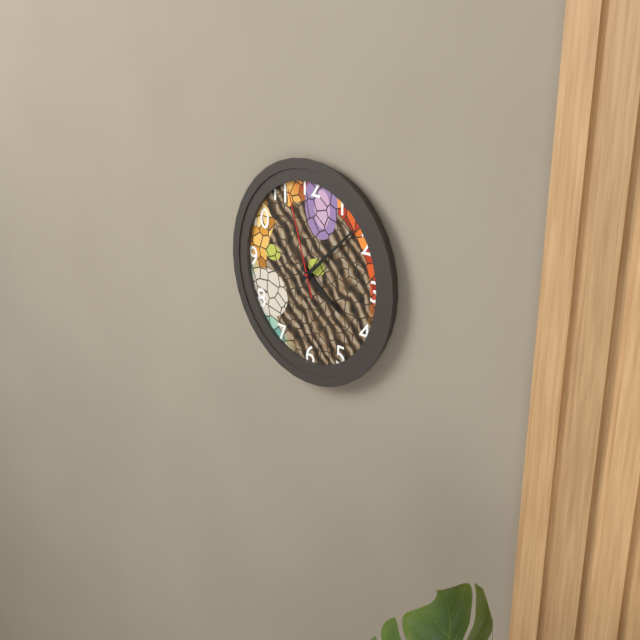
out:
4 h 08 min 57 s
